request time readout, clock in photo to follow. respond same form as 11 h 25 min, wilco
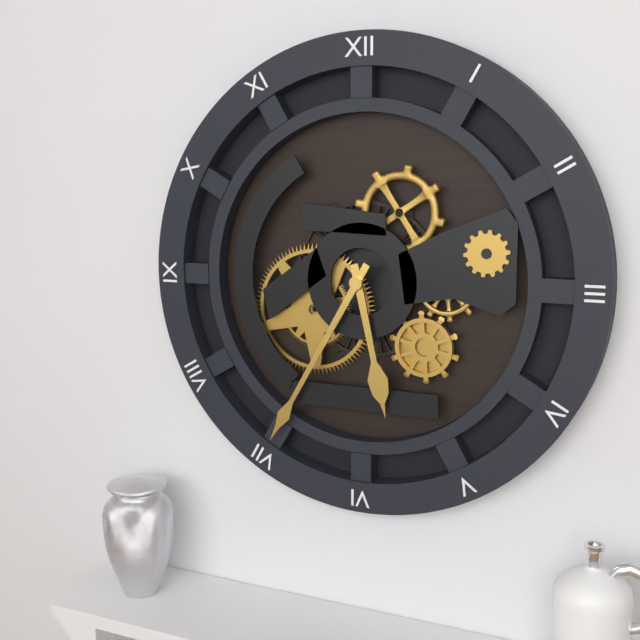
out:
5 h 35 min
